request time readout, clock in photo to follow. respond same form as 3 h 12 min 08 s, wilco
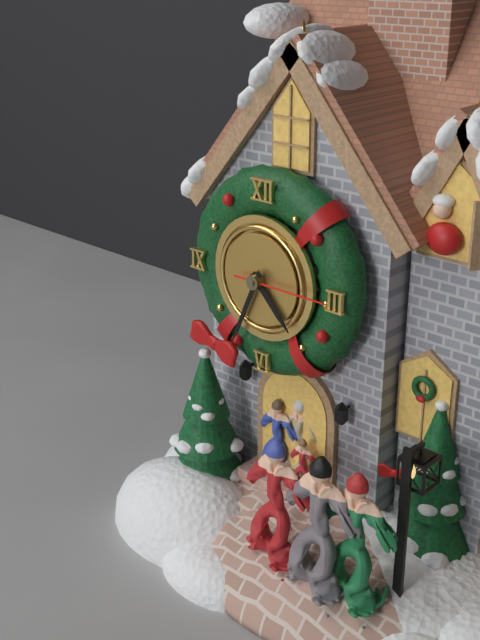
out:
4 h 34 min 15 s
